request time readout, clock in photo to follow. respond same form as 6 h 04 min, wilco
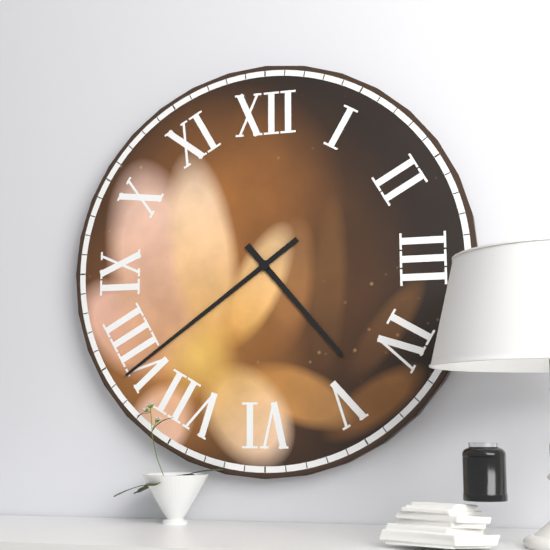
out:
4 h 39 min
